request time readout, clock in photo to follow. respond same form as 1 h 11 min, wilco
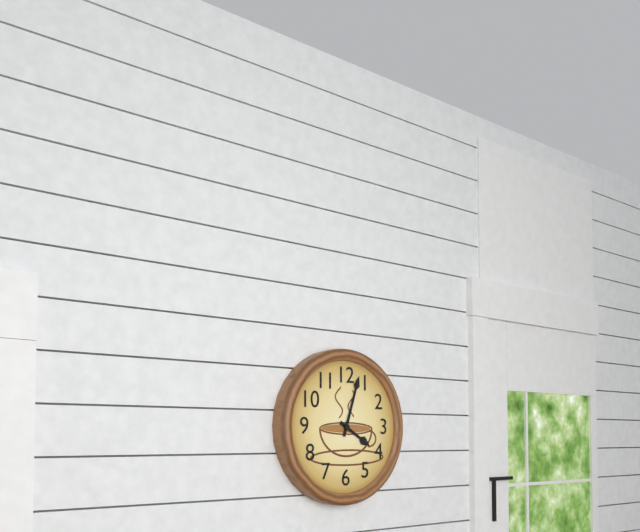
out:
4 h 03 min
